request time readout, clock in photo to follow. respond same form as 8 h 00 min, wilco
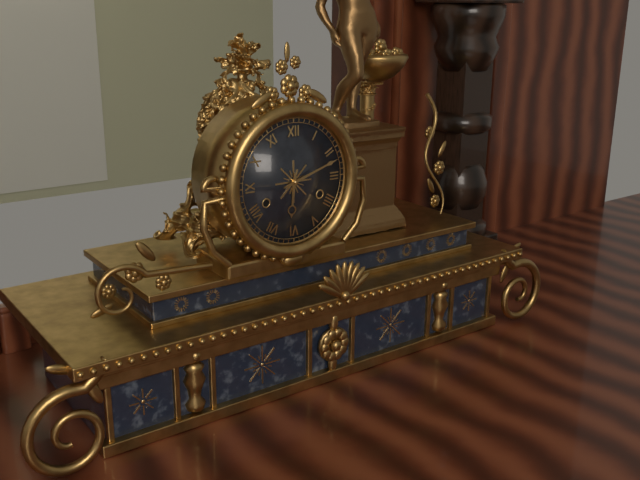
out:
6 h 12 min
